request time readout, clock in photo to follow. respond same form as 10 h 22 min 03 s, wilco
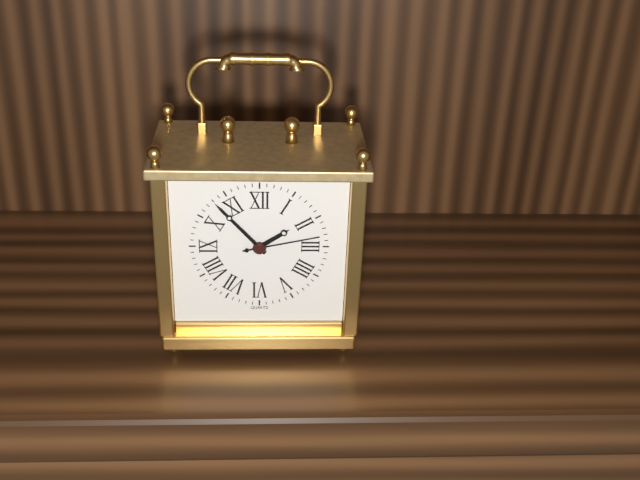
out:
1 h 53 min 13 s
